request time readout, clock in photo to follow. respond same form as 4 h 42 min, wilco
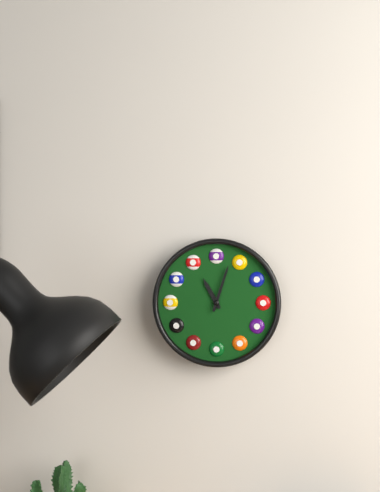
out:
11 h 03 min
